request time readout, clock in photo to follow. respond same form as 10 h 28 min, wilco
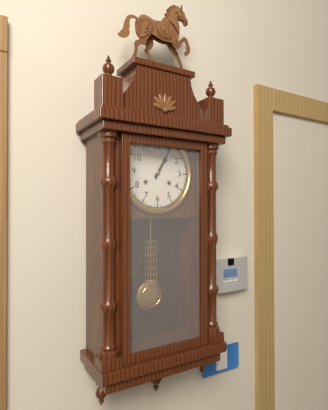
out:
1 h 05 min
